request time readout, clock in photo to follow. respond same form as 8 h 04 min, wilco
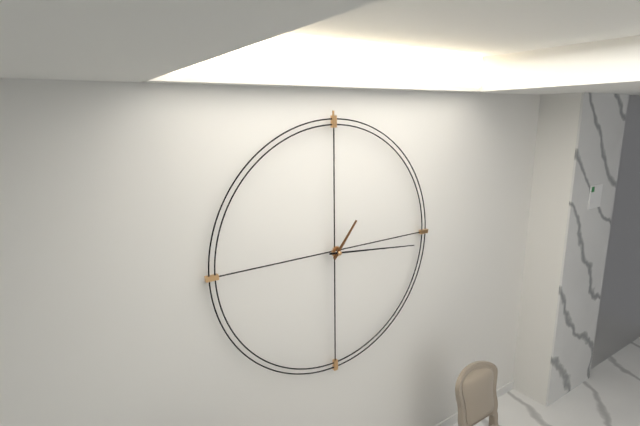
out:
1 h 16 min
